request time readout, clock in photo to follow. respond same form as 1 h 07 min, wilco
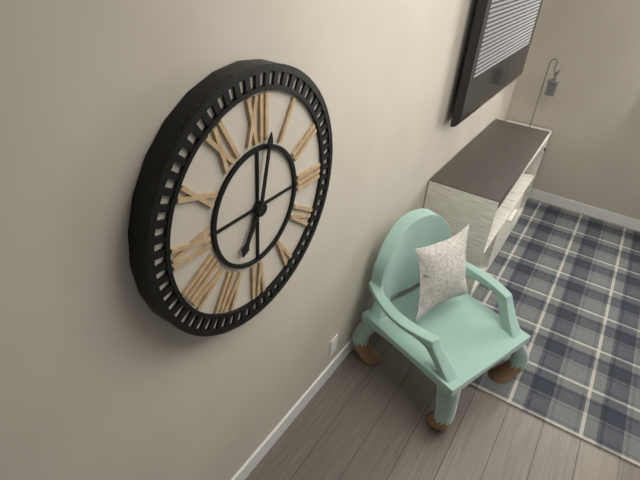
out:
7 h 02 min
